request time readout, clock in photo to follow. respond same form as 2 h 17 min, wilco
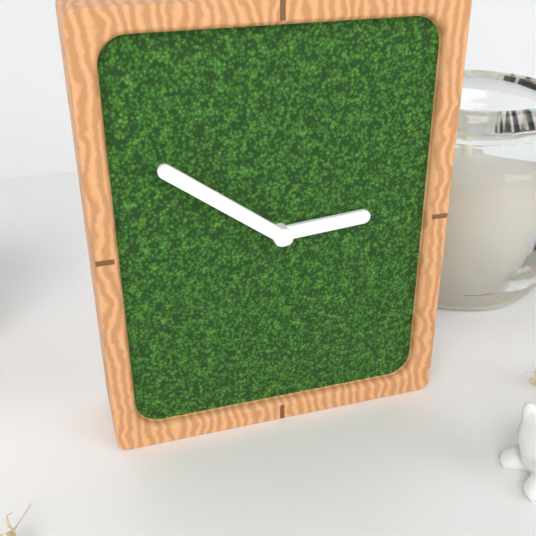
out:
2 h 51 min
